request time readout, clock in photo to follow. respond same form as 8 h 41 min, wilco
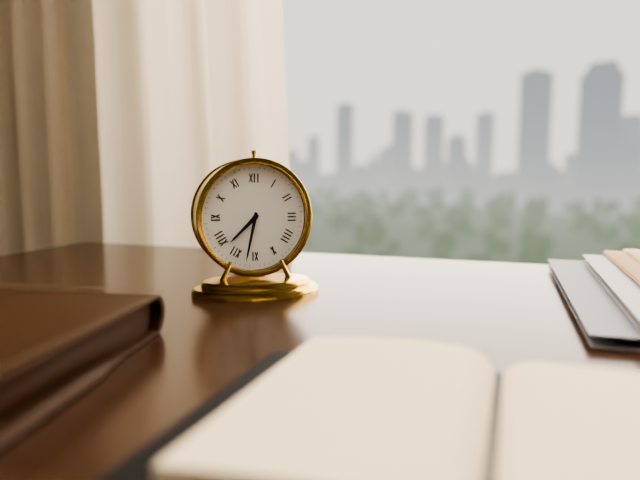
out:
7 h 32 min
